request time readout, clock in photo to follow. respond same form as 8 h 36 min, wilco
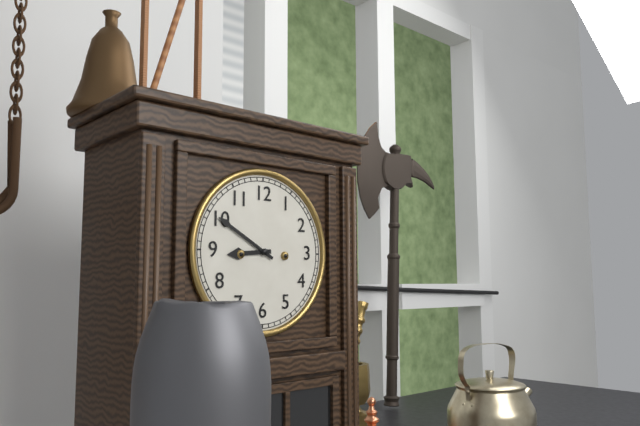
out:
8 h 50 min
